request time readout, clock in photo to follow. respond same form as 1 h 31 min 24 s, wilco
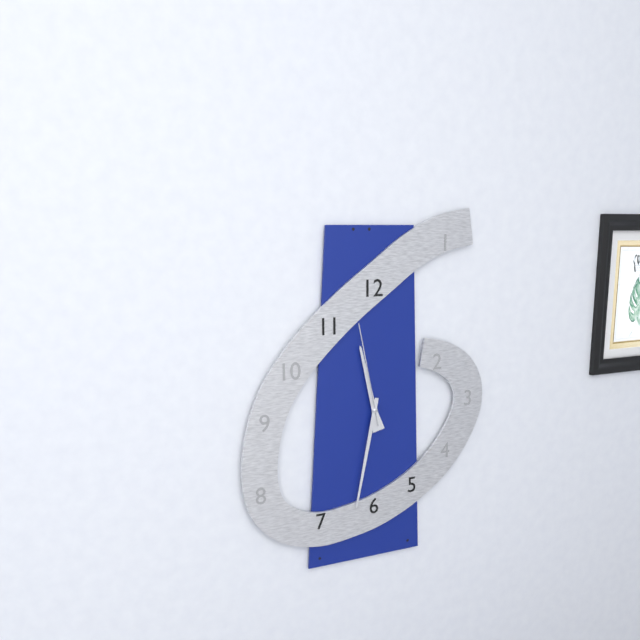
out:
11 h 32 min 58 s
